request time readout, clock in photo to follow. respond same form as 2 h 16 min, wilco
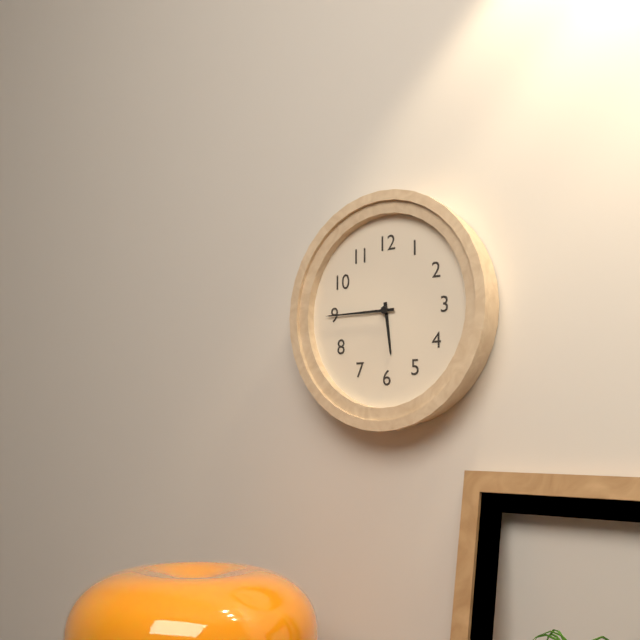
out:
5 h 45 min
